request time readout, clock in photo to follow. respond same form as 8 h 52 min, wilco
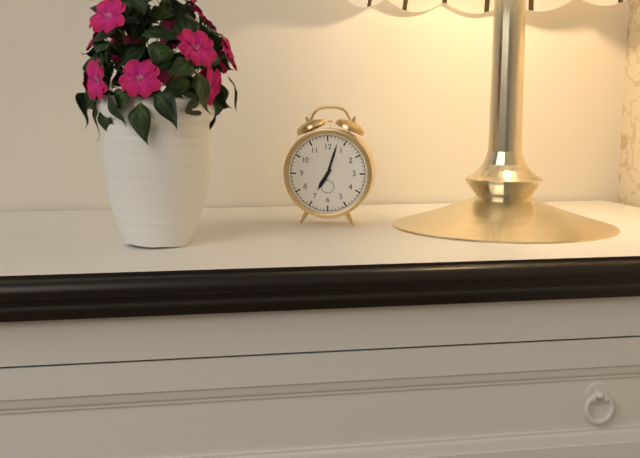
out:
7 h 03 min
